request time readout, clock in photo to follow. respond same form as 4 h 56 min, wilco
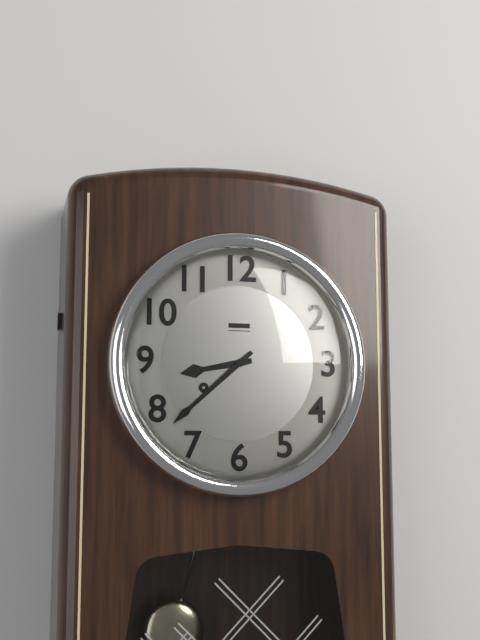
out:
8 h 38 min
